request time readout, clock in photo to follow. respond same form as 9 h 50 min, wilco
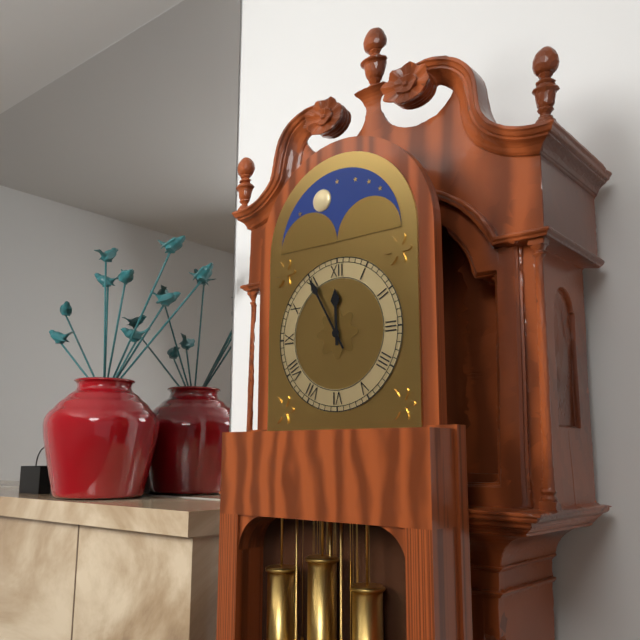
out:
11 h 55 min
